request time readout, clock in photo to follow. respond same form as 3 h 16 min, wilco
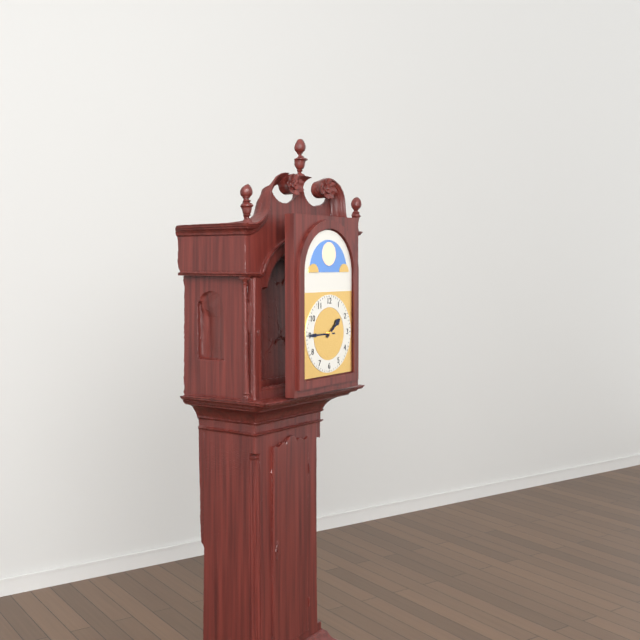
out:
1 h 45 min
